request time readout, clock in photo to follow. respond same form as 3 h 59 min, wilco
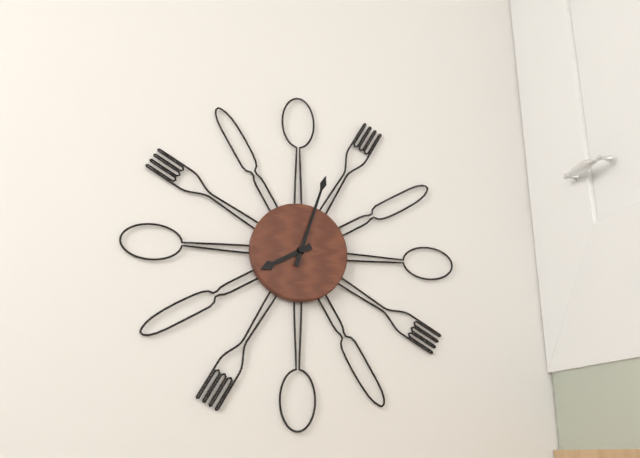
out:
8 h 03 min
